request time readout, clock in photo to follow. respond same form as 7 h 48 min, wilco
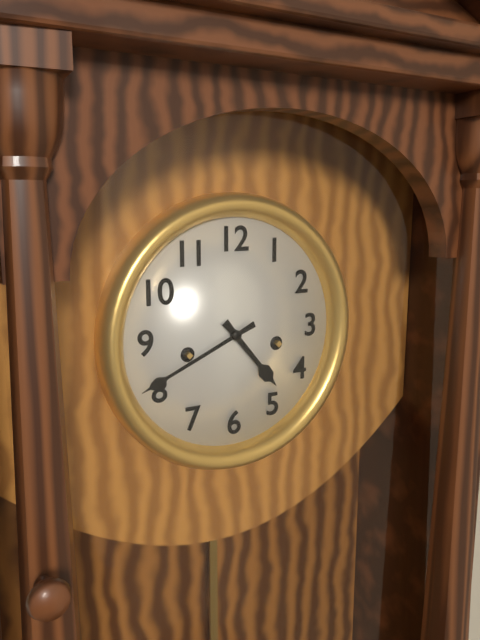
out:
4 h 41 min
